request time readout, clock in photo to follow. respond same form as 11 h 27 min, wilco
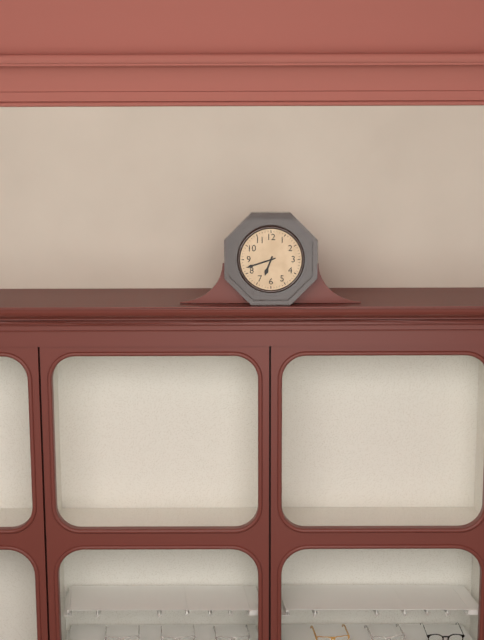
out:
6 h 42 min
